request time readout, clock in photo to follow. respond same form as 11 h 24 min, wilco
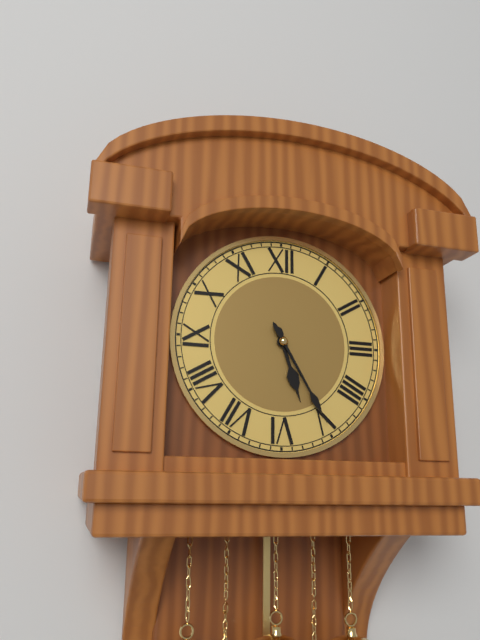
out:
5 h 25 min
